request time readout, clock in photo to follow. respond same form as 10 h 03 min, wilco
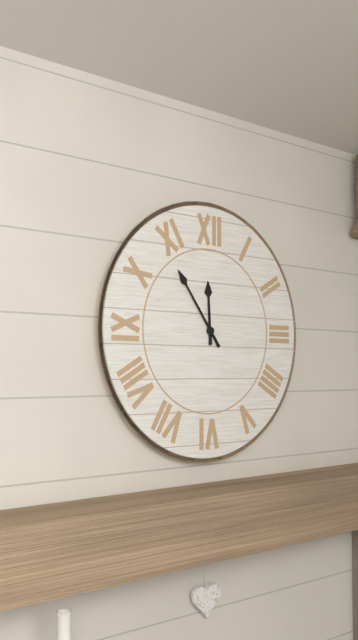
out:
11 h 54 min
